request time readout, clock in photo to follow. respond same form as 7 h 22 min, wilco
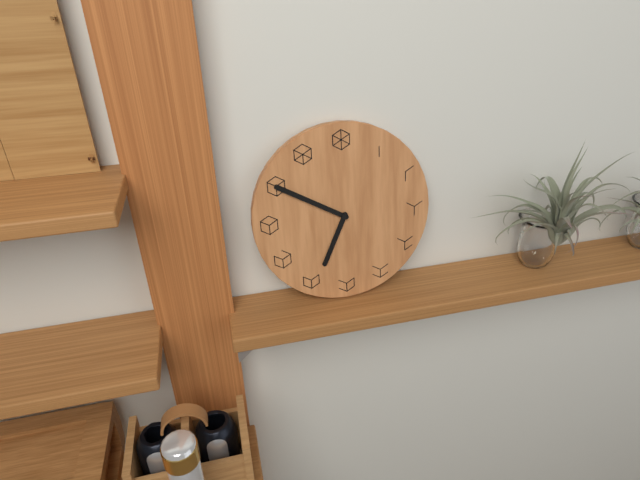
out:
6 h 50 min
